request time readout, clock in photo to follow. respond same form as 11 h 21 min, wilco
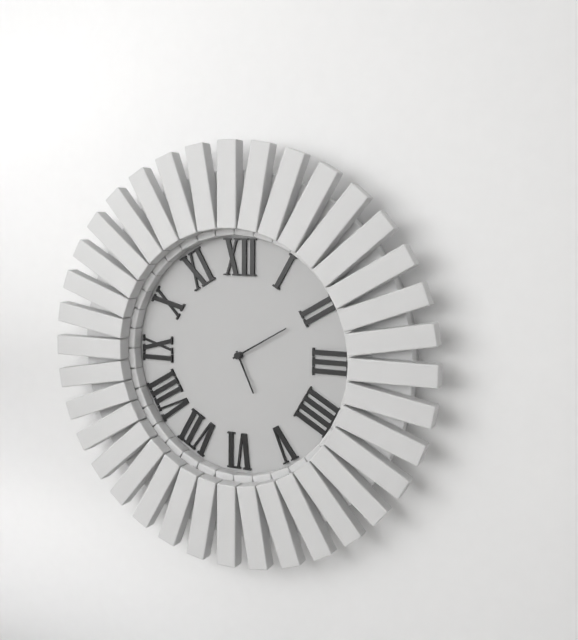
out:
5 h 10 min
